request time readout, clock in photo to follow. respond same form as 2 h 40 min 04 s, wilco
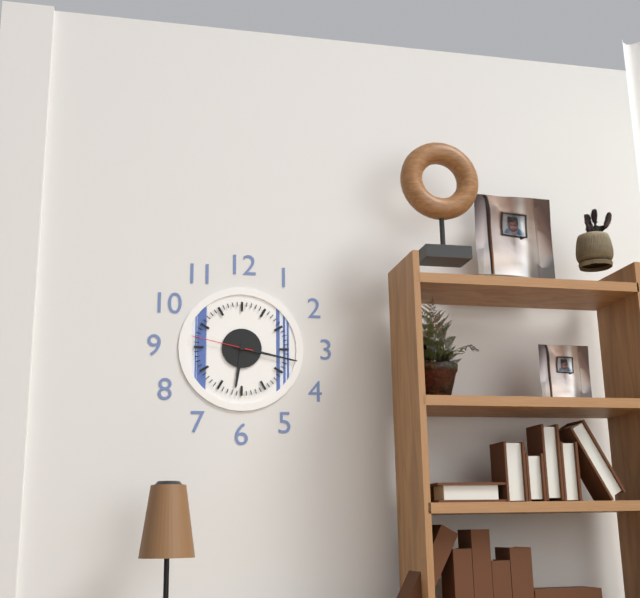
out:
6 h 17 min 47 s
